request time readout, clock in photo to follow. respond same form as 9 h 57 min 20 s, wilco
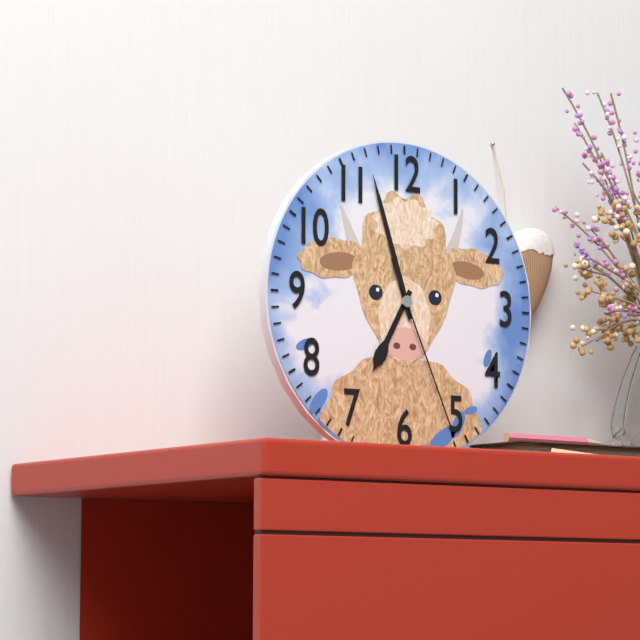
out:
6 h 57 min 26 s
